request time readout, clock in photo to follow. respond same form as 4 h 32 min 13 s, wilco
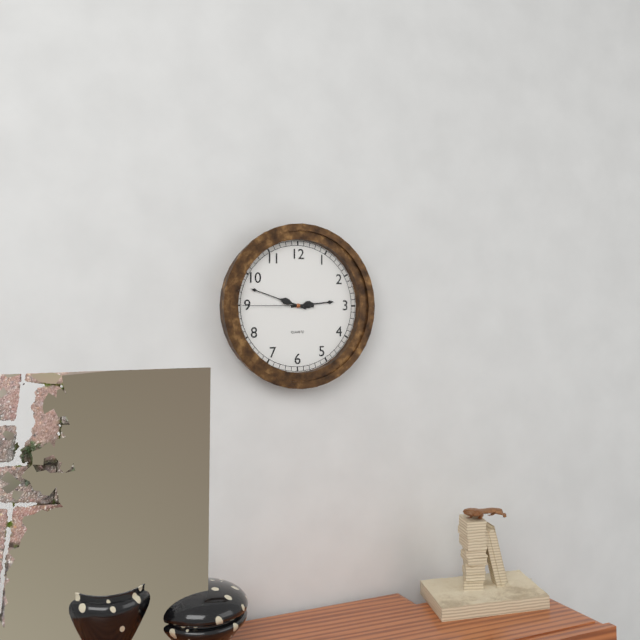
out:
2 h 48 min 45 s
